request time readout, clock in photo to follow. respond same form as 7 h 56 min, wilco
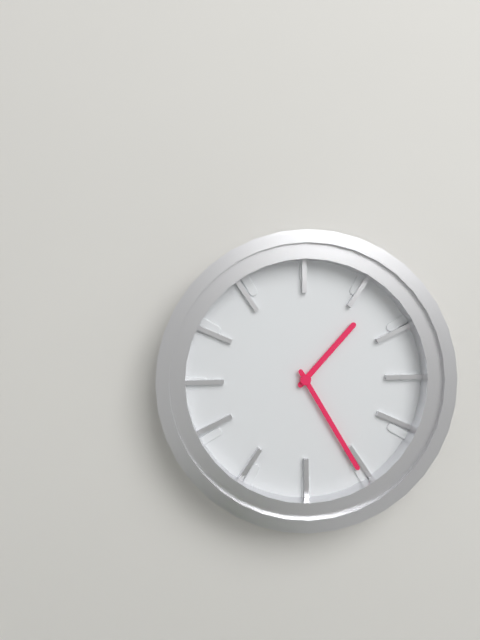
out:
1 h 25 min
